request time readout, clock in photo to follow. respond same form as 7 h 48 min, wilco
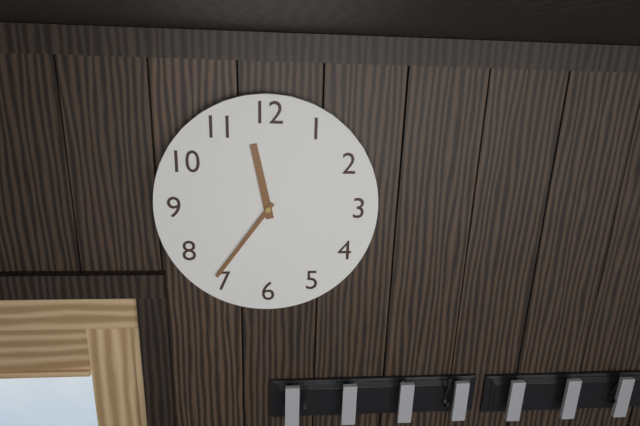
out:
11 h 36 min
